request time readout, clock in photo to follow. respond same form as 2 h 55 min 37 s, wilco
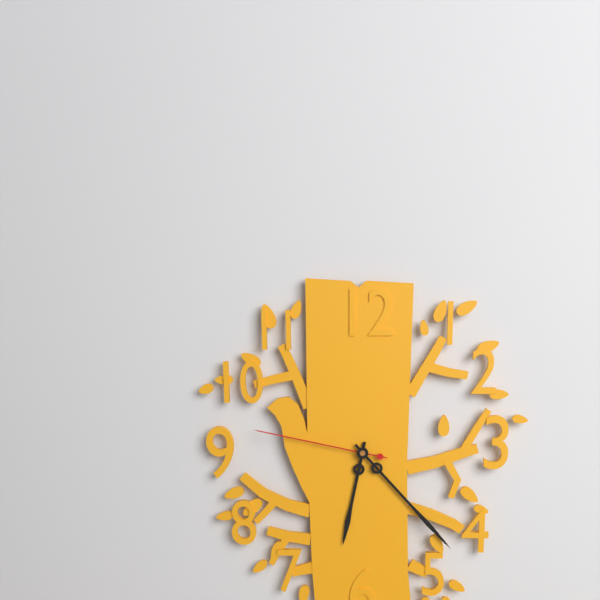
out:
6 h 23 min 47 s
